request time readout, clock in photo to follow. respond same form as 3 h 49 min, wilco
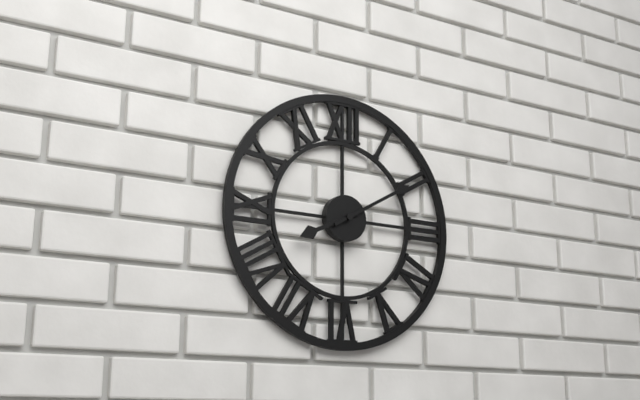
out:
8 h 10 min
